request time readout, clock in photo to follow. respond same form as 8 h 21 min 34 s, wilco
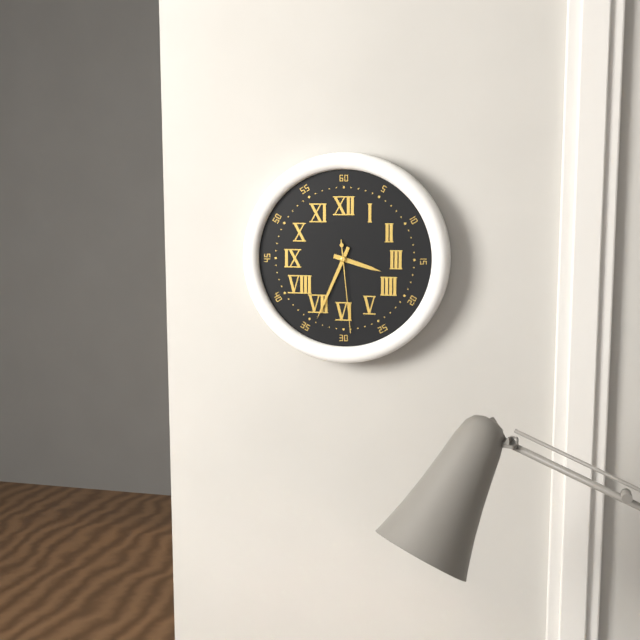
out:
3 h 34 min 29 s
